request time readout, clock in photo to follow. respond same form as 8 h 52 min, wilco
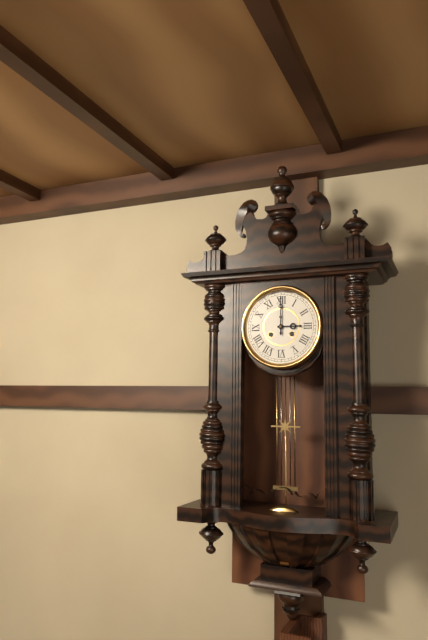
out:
3 h 00 min
